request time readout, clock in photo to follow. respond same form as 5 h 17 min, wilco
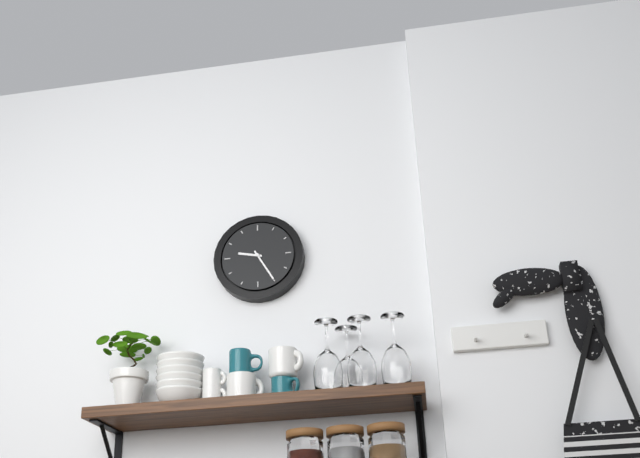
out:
9 h 25 min
